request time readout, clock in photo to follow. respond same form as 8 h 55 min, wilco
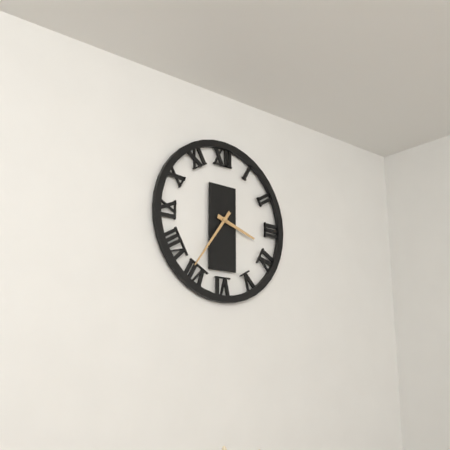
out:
3 h 36 min
